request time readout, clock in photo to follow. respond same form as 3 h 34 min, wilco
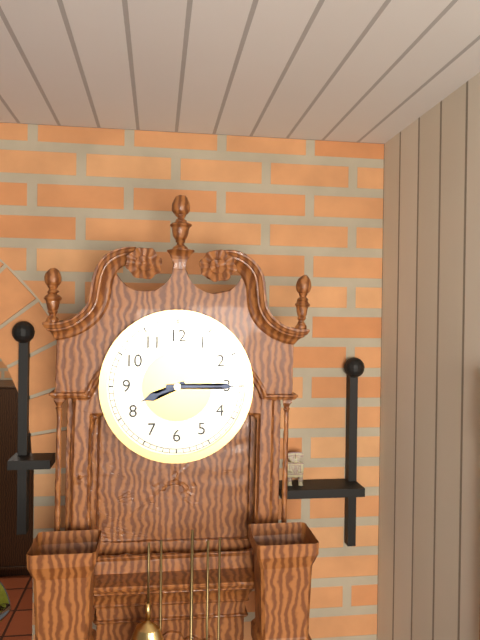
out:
8 h 15 min
